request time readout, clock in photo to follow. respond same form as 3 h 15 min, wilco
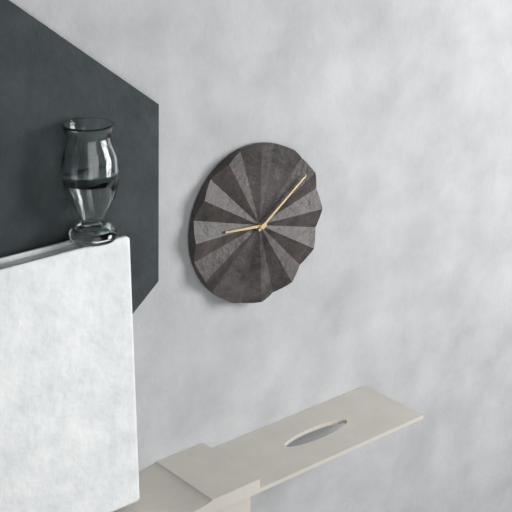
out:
9 h 09 min
